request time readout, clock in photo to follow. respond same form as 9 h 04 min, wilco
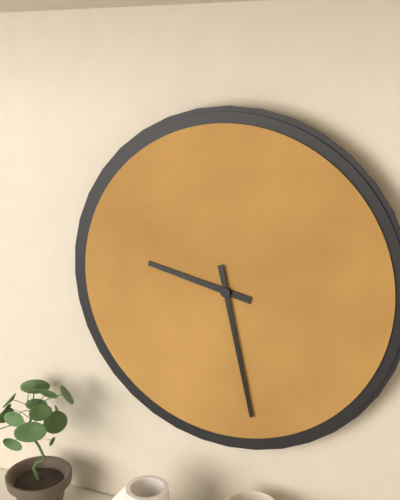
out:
9 h 28 min
